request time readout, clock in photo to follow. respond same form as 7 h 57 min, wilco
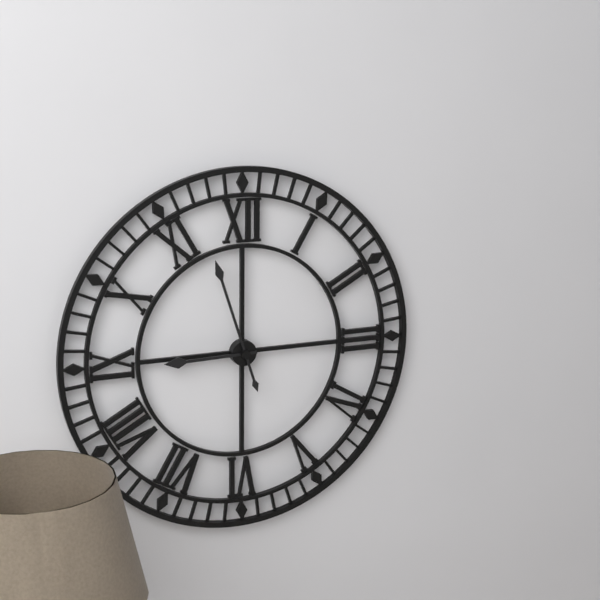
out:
8 h 57 min
